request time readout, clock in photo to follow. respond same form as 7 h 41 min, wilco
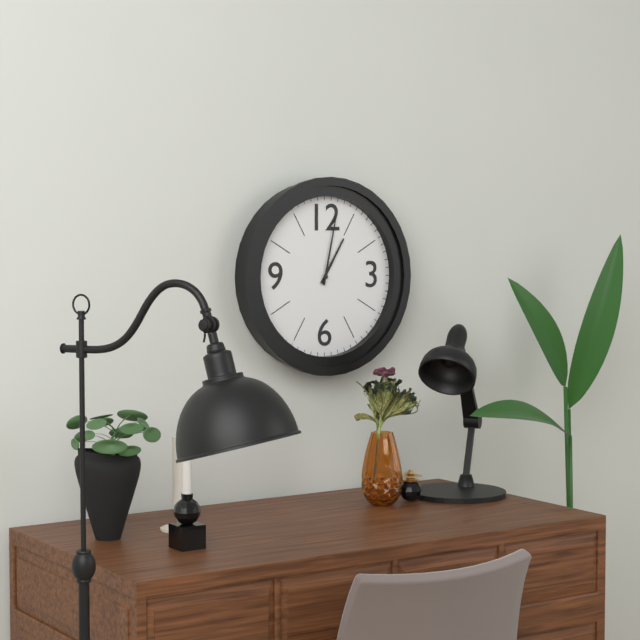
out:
1 h 02 min
